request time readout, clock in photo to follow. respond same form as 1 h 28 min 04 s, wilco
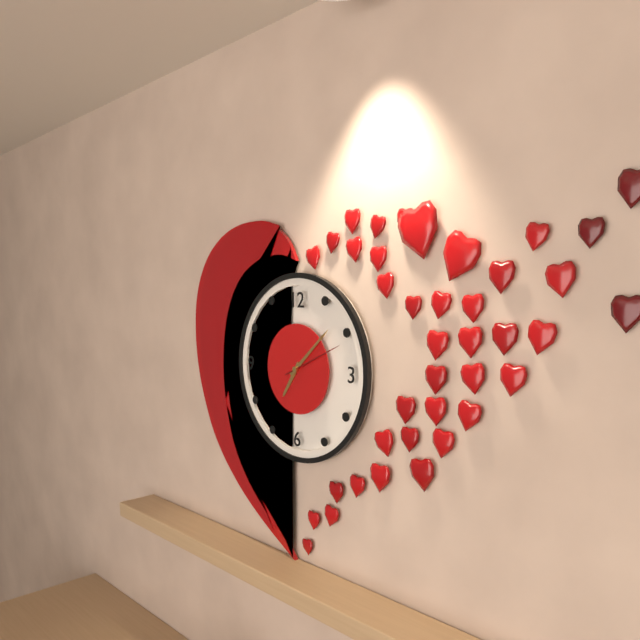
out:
7 h 08 min 11 s
